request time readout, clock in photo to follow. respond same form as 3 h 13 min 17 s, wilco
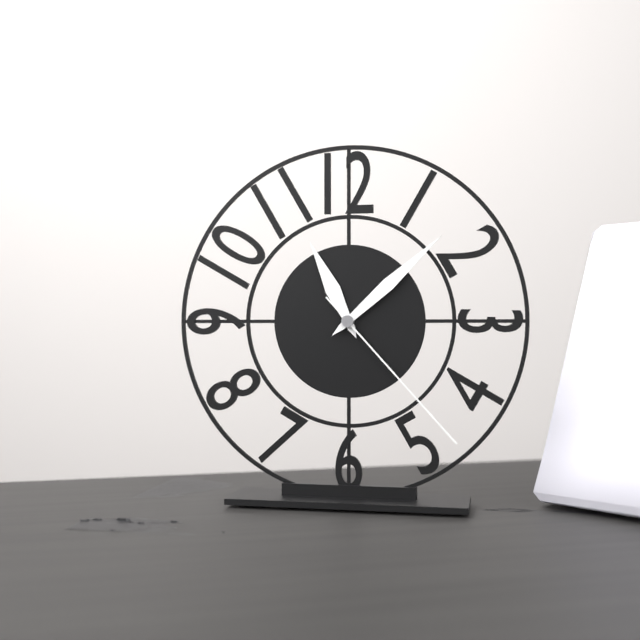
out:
11 h 08 min 23 s
